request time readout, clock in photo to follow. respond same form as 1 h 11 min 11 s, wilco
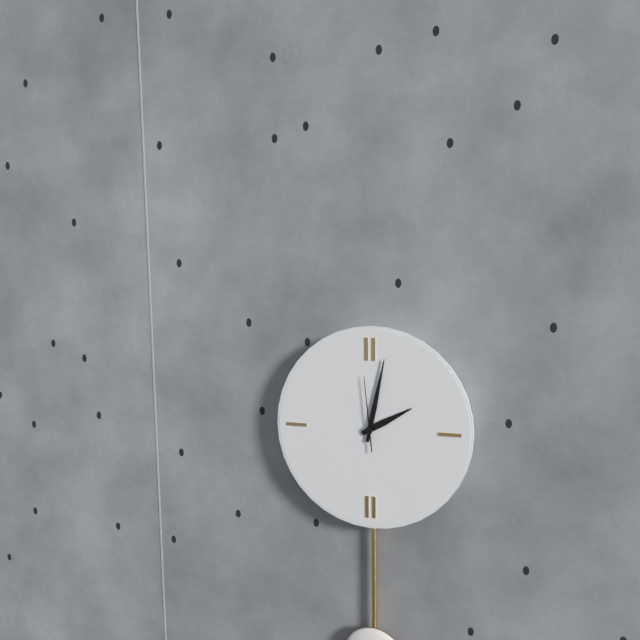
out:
2 h 02 min 59 s
